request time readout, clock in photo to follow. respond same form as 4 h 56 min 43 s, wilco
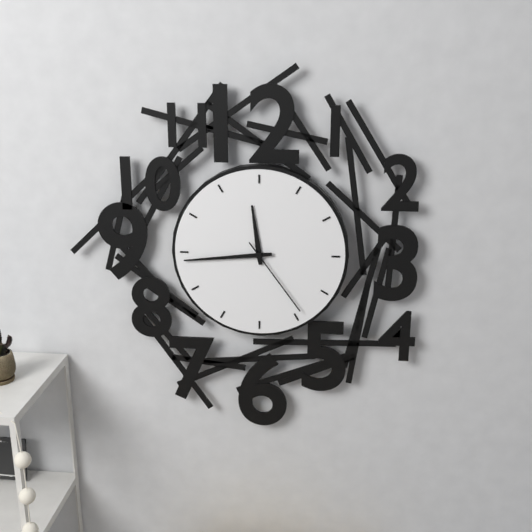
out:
11 h 44 min 24 s
